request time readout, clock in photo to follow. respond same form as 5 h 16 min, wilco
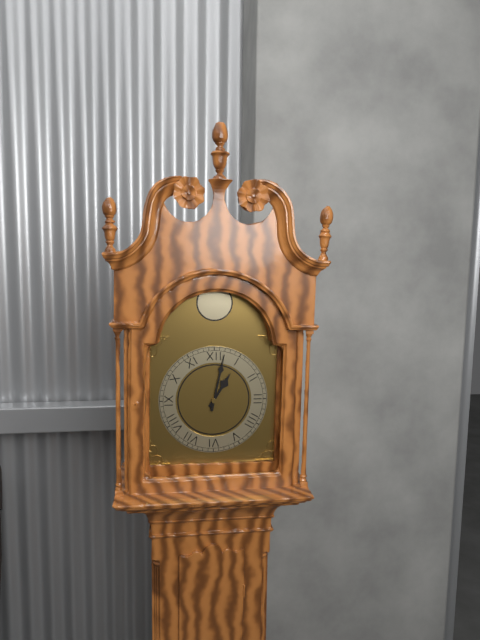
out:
1 h 02 min
